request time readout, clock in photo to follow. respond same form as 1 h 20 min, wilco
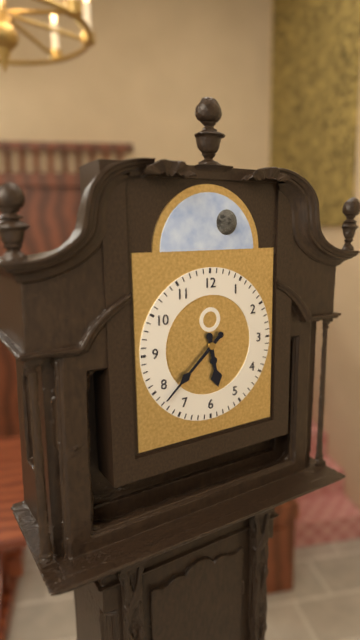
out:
5 h 38 min
